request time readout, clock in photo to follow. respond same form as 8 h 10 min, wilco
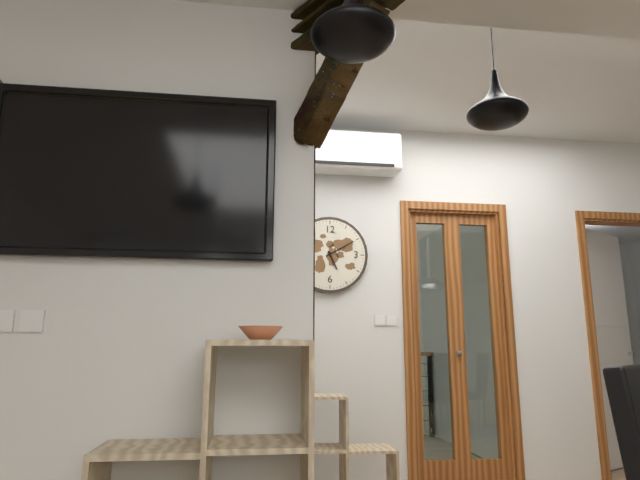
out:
5 h 10 min
